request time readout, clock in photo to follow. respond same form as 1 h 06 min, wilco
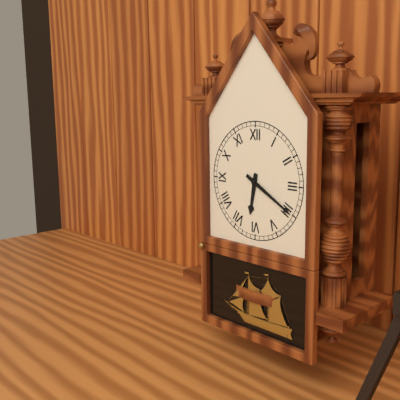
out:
6 h 20 min
